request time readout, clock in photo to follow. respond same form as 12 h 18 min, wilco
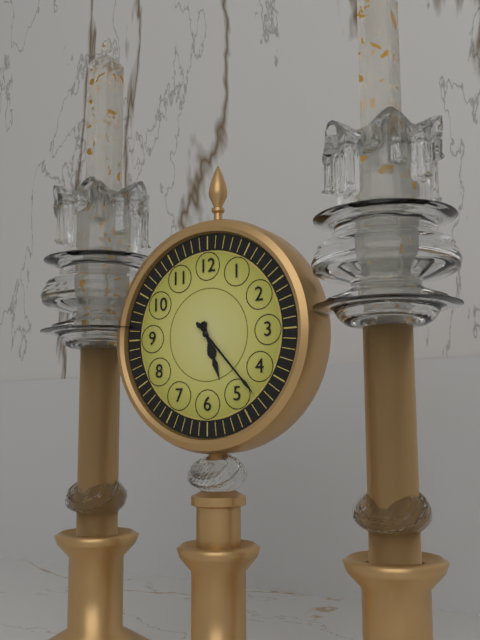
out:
5 h 23 min
